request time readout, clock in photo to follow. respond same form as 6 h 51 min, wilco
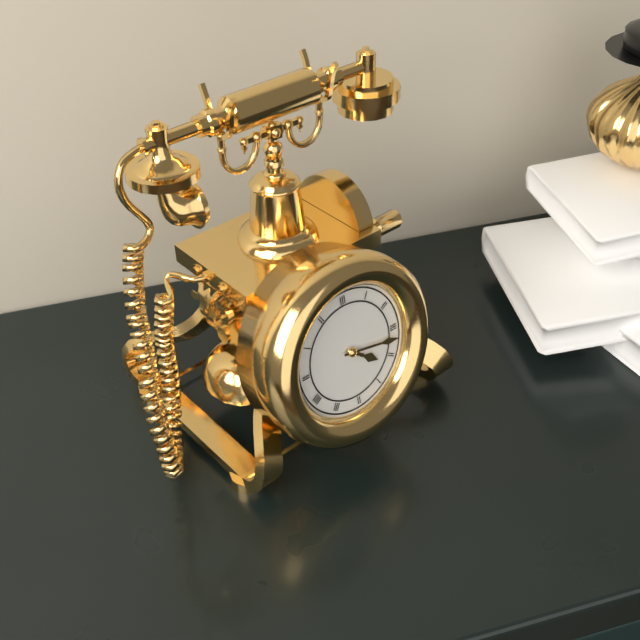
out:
4 h 17 min
